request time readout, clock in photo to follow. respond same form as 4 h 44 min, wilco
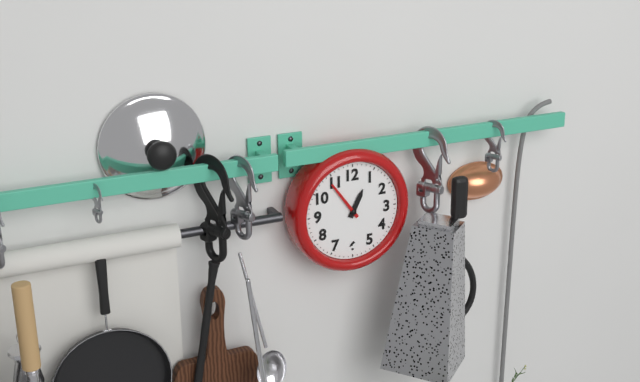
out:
12 h 54 min
